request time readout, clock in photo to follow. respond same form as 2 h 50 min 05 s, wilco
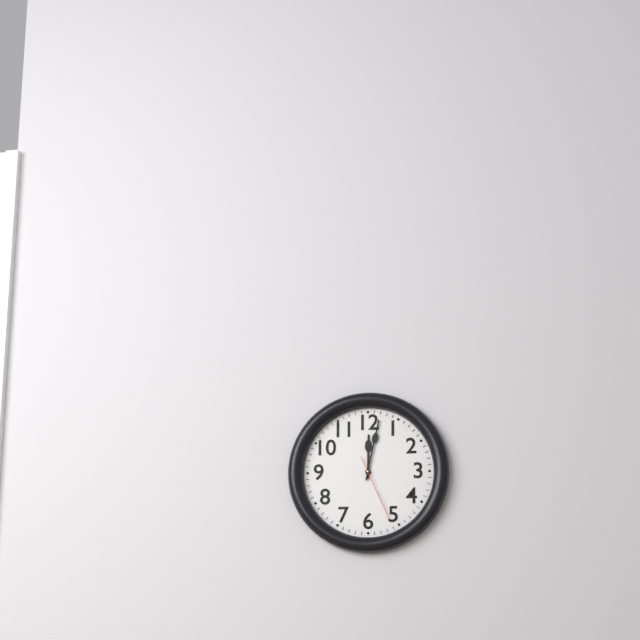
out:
12 h 02 min 26 s
